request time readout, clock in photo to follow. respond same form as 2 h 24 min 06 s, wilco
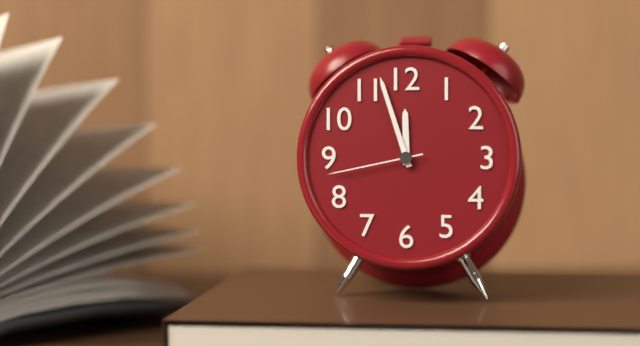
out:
11 h 57 min 43 s
